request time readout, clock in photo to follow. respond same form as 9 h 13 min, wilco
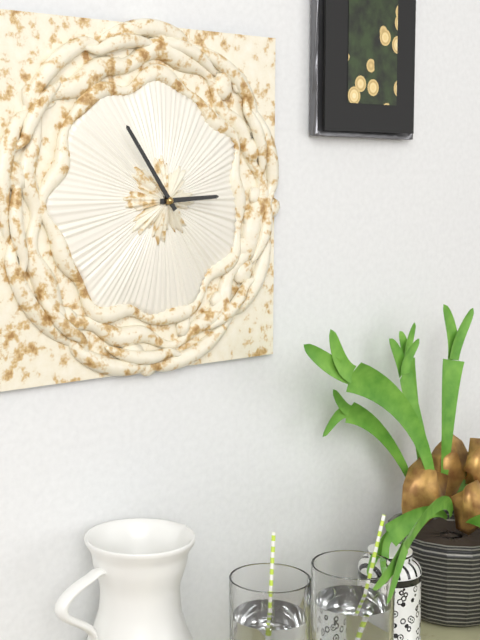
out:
2 h 54 min
